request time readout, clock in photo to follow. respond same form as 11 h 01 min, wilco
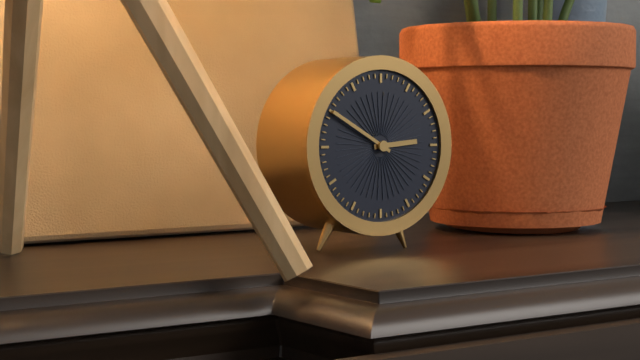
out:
2 h 50 min
